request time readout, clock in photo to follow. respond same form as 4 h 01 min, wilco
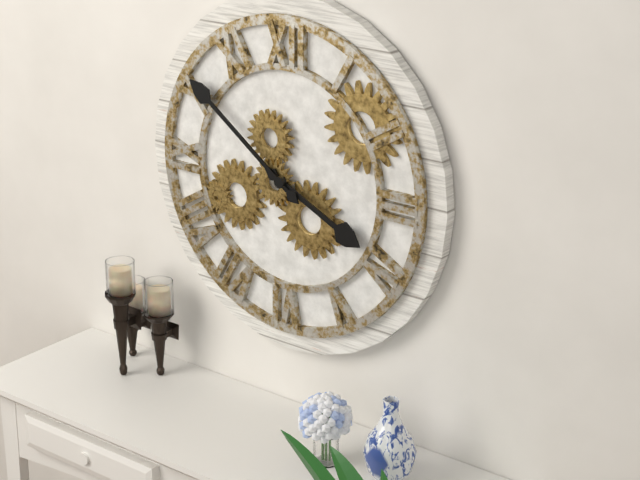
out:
3 h 51 min
